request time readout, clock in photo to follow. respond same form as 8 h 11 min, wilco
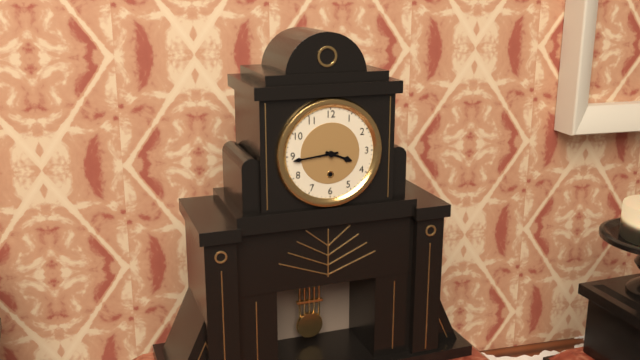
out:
3 h 44 min
